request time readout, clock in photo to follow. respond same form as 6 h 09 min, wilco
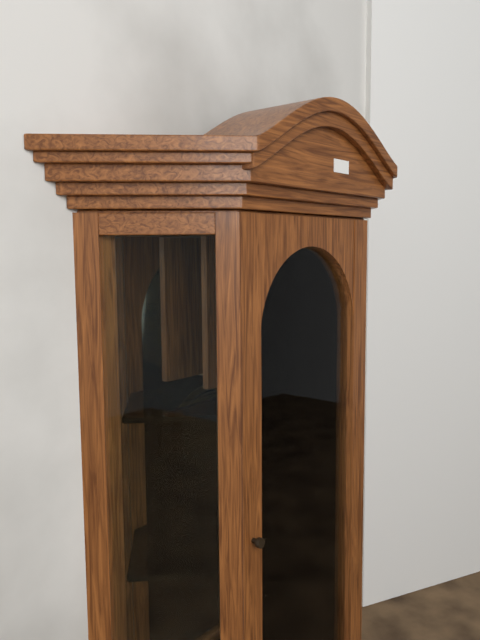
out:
11 h 45 min
